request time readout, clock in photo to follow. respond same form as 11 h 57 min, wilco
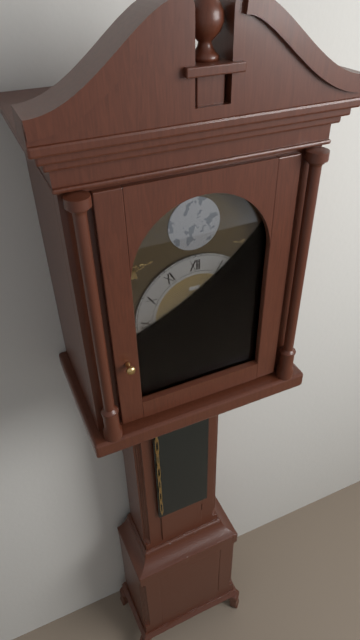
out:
2 h 12 min
